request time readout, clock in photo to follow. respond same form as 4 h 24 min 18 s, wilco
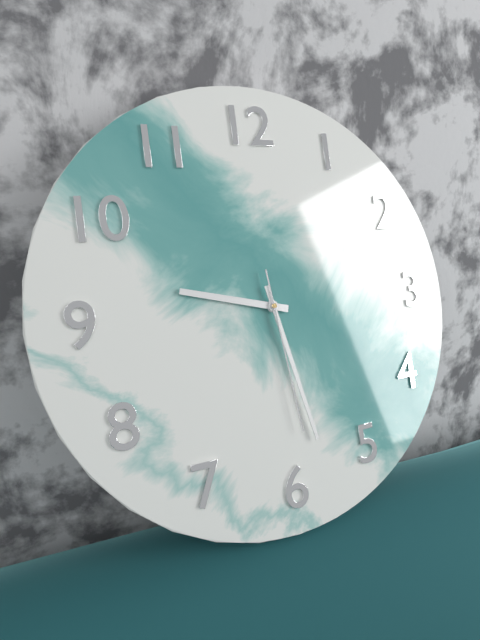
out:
9 h 28 min 29 s
